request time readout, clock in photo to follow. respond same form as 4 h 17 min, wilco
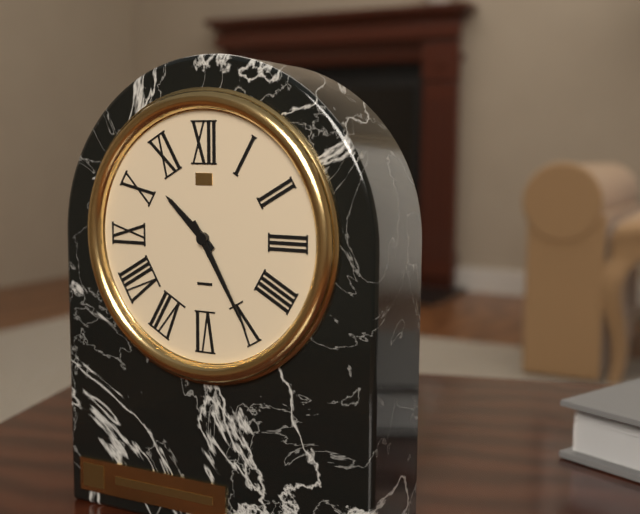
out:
10 h 25 min
